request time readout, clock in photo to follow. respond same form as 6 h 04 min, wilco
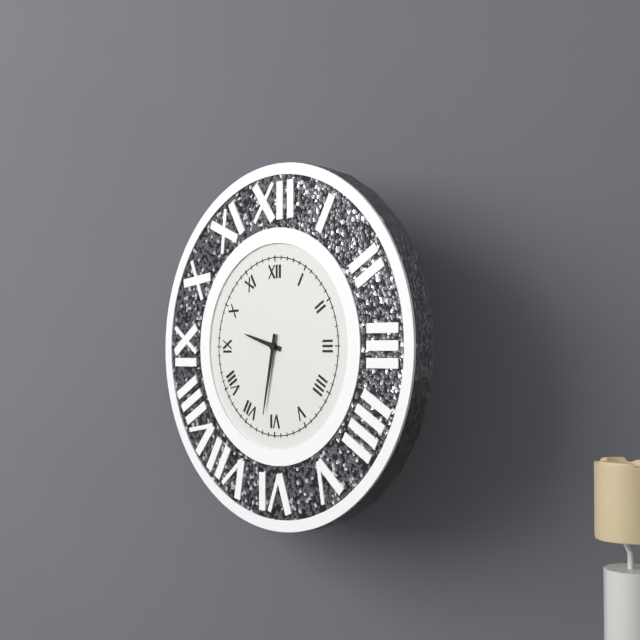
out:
9 h 32 min
